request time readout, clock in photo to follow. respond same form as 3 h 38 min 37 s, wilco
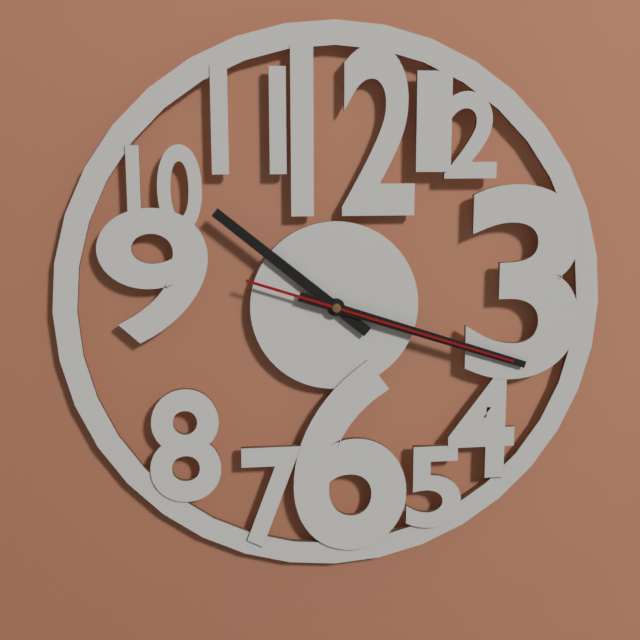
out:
10 h 18 min 18 s
